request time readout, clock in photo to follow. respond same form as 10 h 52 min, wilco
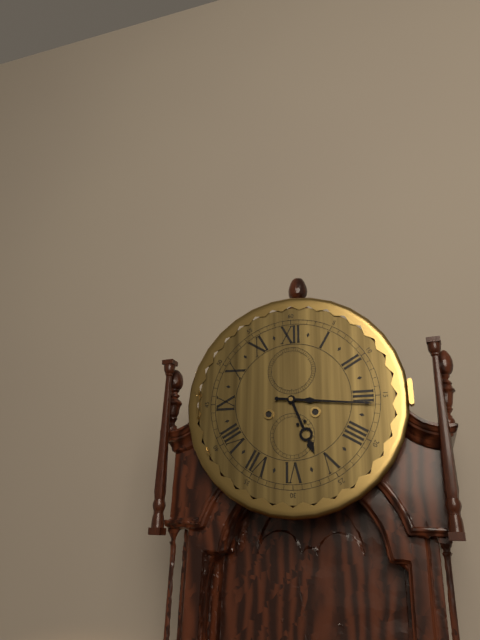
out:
5 h 16 min
